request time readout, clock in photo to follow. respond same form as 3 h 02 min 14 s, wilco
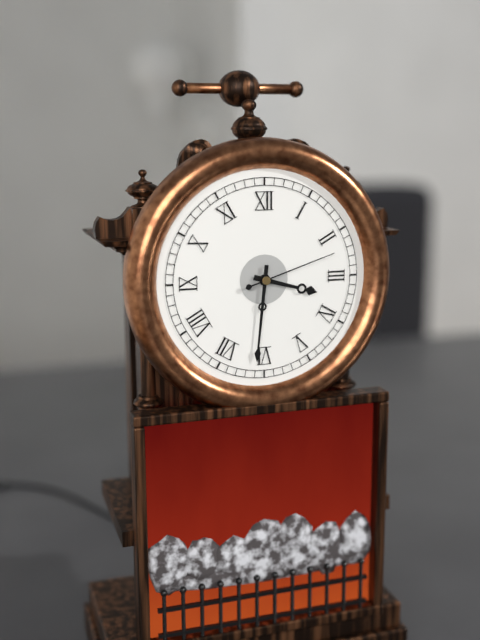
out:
3 h 31 min 12 s
